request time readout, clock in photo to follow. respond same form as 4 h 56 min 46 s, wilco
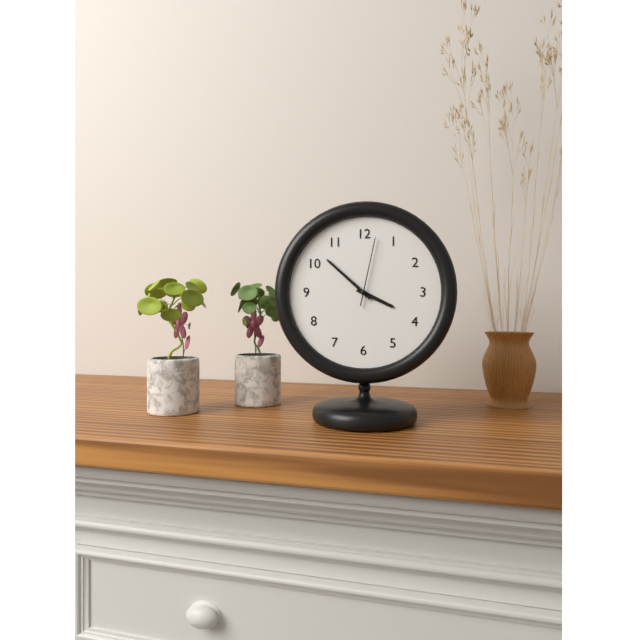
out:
3 h 52 min 02 s
